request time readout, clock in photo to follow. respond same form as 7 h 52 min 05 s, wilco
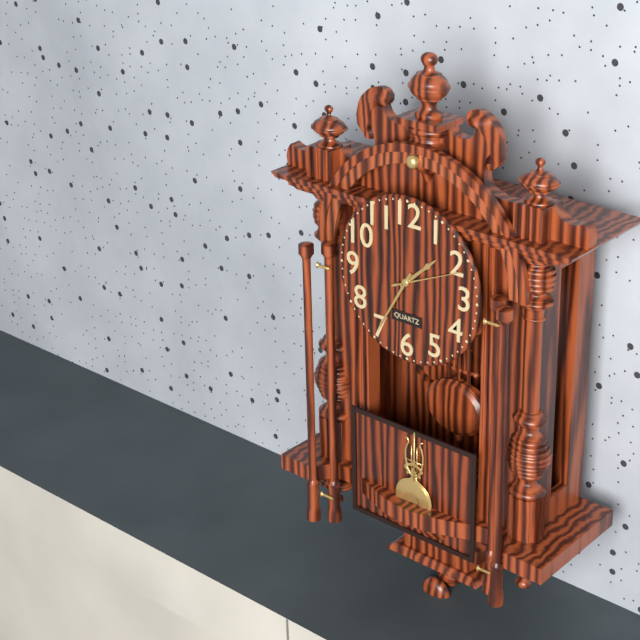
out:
1 h 35 min 11 s
